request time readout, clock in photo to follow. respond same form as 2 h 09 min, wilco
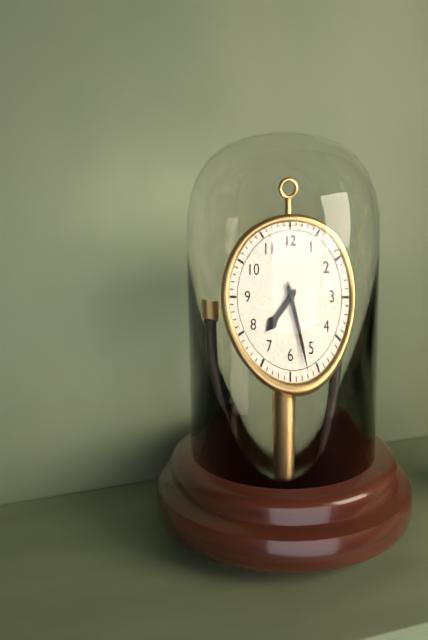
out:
7 h 27 min
